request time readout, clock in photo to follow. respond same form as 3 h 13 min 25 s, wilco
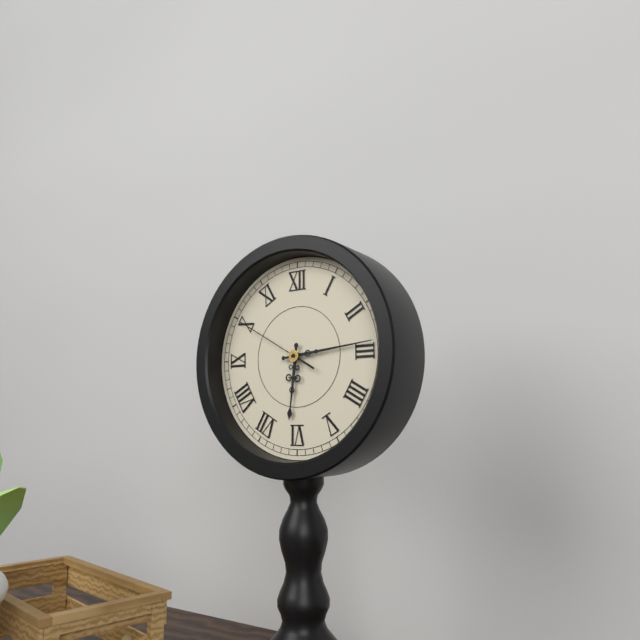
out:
6 h 14 min 50 s
